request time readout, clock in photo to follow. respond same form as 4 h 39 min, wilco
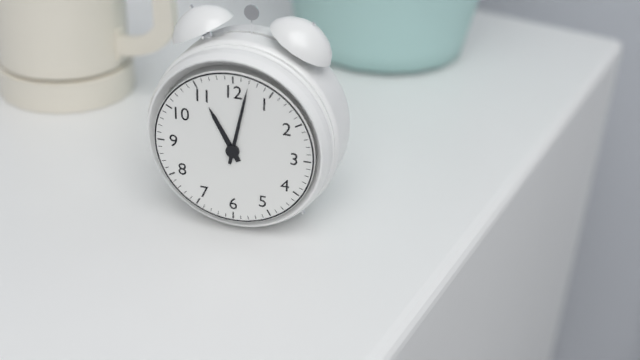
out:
11 h 02 min
